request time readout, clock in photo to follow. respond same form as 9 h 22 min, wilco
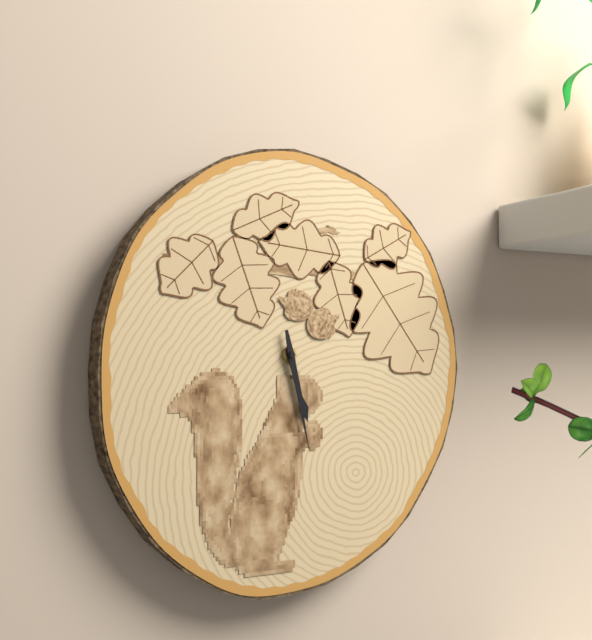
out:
5 h 28 min
